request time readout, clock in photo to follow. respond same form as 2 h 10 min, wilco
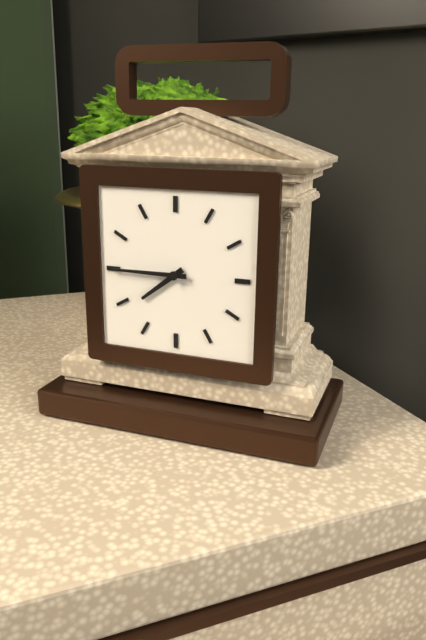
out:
7 h 45 min
